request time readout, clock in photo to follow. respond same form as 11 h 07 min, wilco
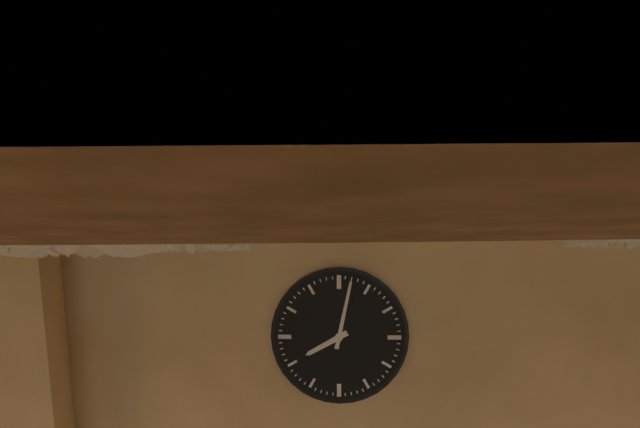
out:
8 h 02 min
